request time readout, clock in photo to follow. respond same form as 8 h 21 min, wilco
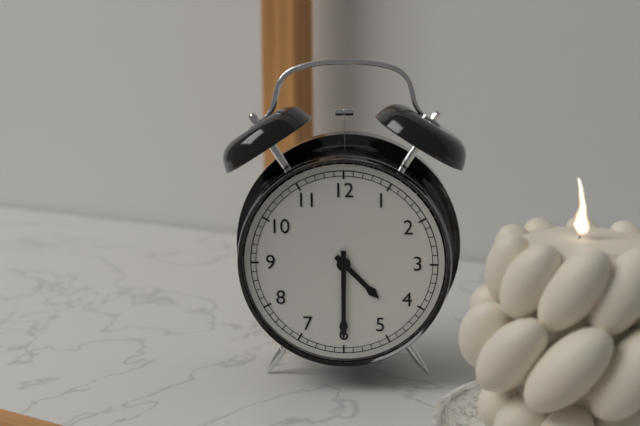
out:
4 h 30 min
